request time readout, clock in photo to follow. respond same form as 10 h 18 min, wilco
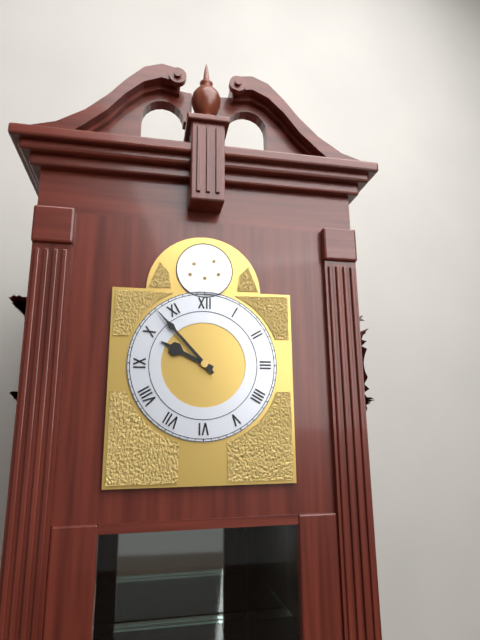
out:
9 h 53 min
